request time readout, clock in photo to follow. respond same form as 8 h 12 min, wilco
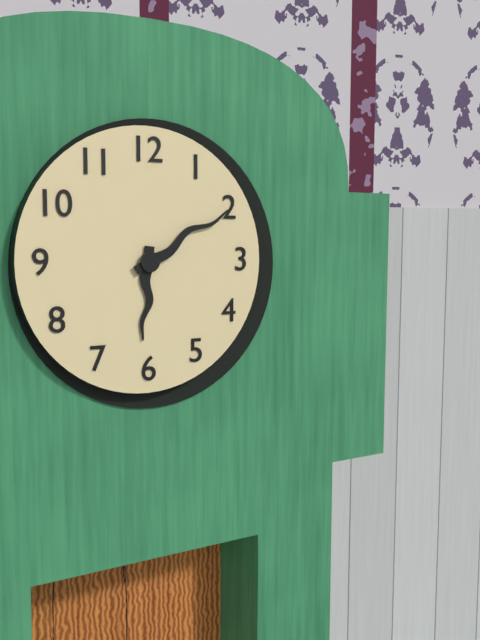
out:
6 h 10 min
